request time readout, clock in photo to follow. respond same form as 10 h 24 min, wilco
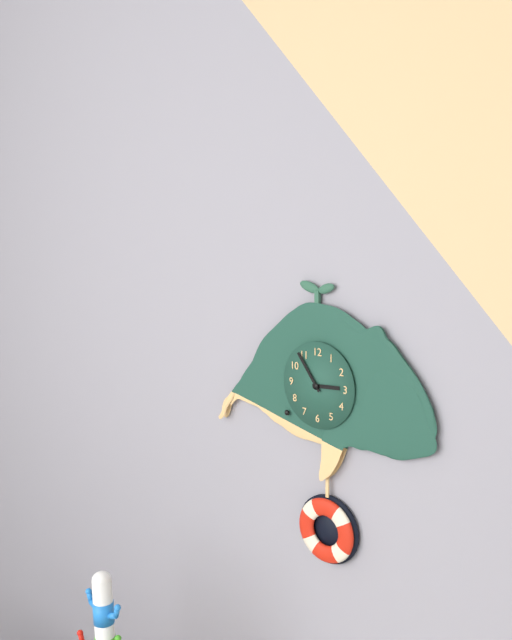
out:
2 h 54 min
